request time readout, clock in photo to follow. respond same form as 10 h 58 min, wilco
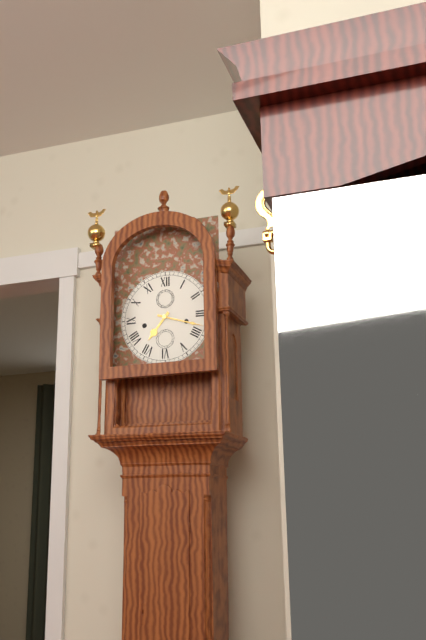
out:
7 h 18 min
